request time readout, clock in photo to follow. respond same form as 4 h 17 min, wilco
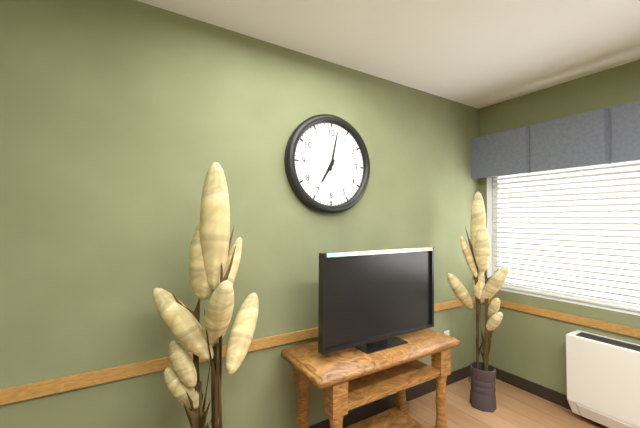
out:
7 h 02 min
